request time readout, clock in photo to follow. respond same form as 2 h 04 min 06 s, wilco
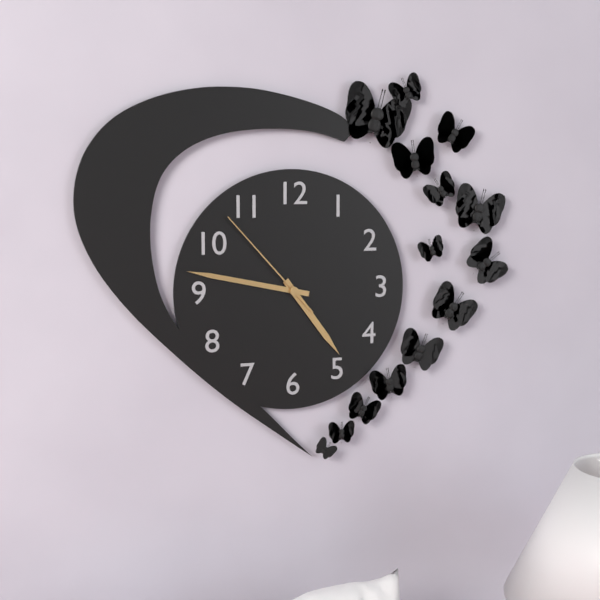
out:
4 h 47 min 53 s
